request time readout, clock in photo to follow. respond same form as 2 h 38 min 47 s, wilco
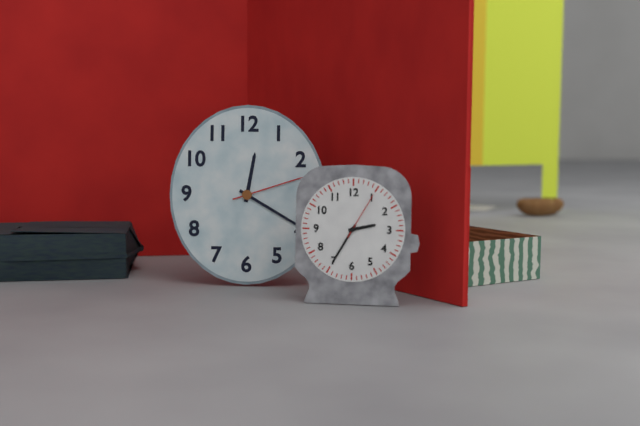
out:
12 h 20 min 12 s
